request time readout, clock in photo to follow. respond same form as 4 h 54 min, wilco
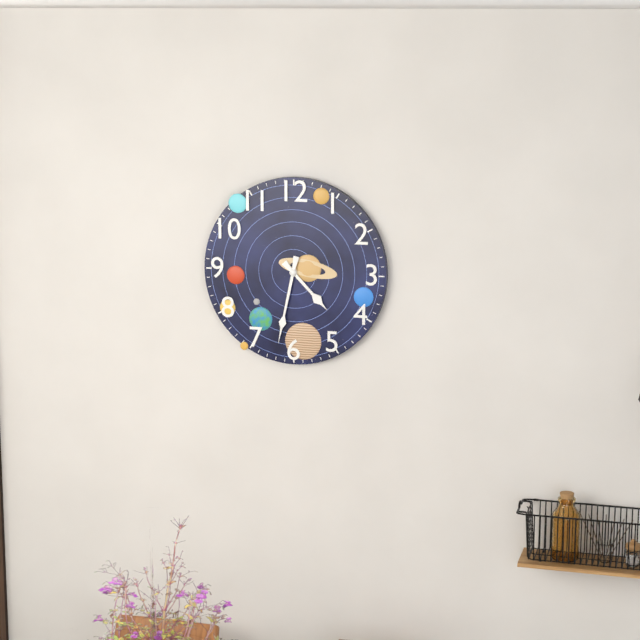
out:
4 h 32 min
